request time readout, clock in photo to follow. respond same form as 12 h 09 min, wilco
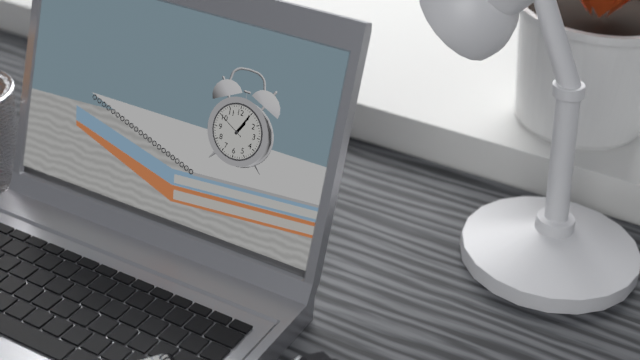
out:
1 h 05 min
